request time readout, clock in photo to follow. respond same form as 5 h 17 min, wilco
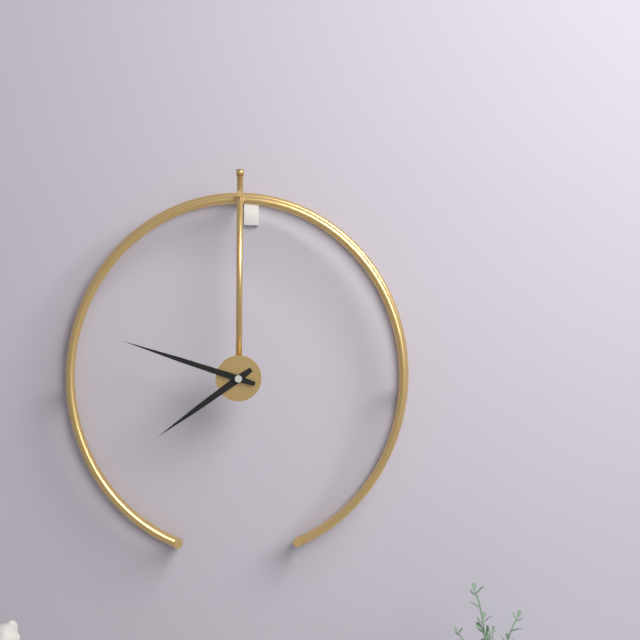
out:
7 h 48 min
